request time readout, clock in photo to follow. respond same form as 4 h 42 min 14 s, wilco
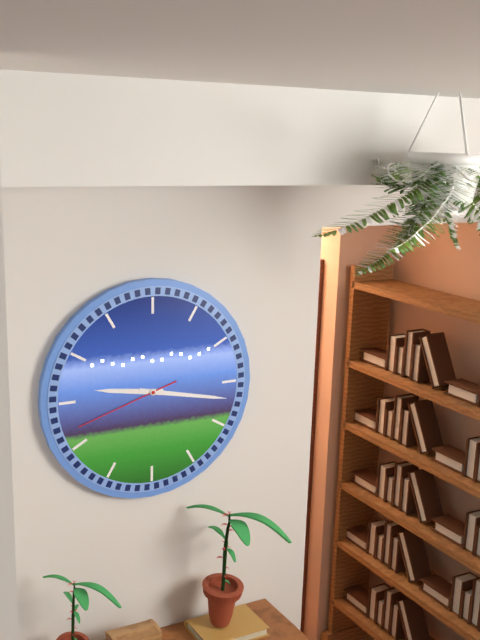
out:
9 h 17 min 42 s
